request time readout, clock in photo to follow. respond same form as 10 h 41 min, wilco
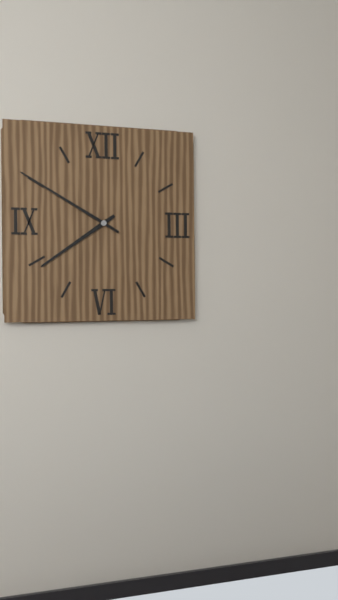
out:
7 h 50 min
